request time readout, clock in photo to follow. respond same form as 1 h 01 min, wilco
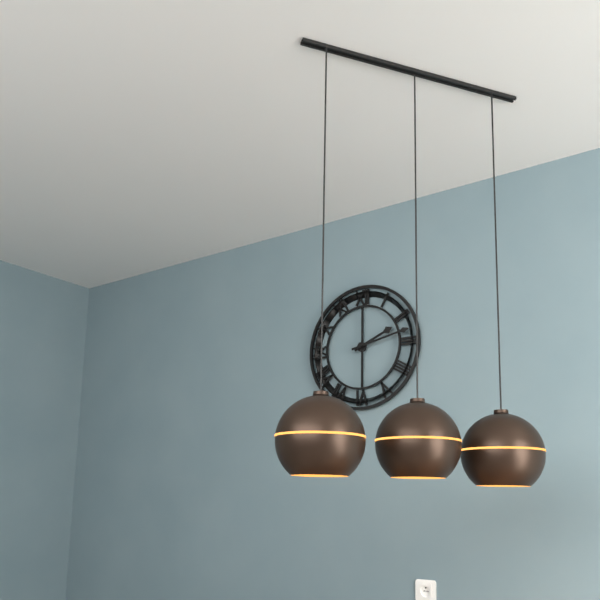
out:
2 h 13 min
